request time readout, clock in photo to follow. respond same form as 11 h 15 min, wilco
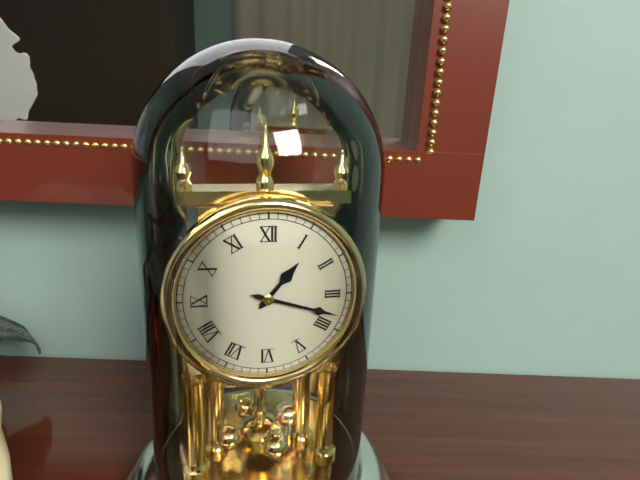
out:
1 h 18 min
